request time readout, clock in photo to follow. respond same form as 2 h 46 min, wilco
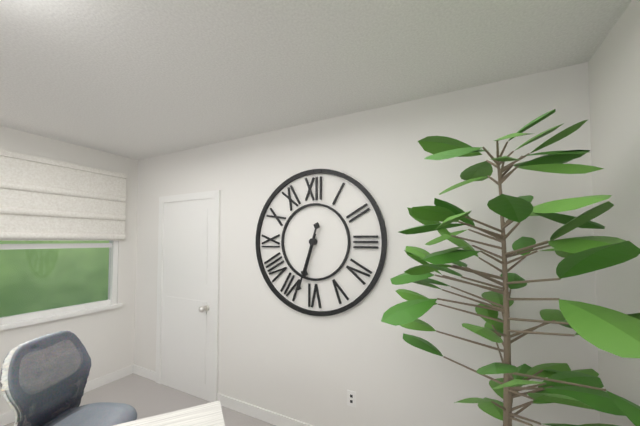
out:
6 h 33 min
